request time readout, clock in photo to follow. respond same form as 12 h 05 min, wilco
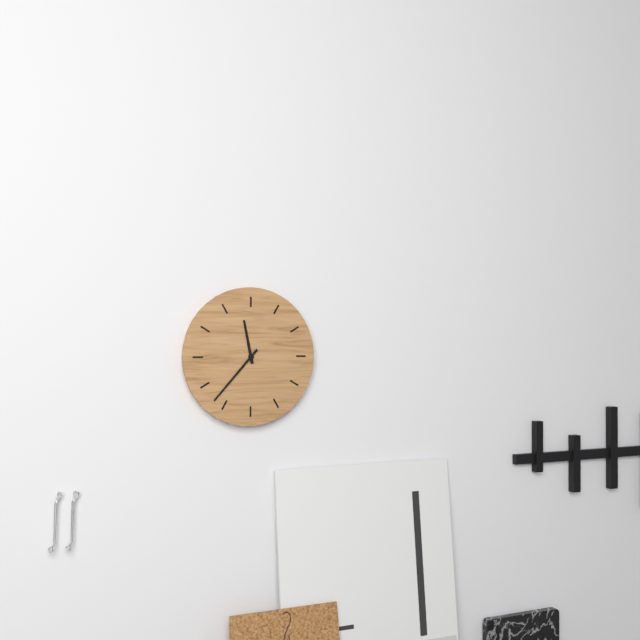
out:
11 h 37 min
